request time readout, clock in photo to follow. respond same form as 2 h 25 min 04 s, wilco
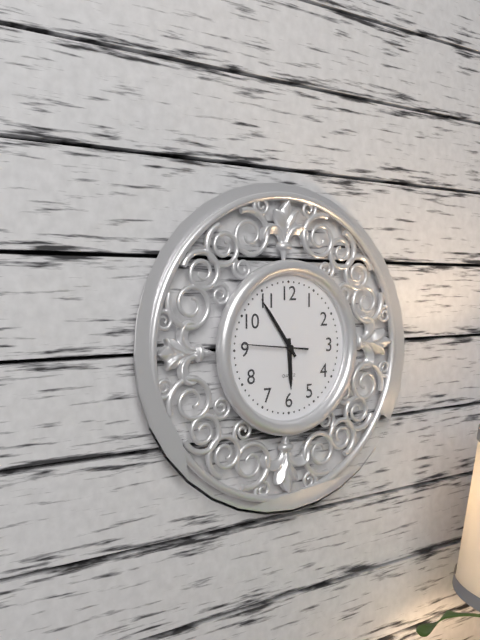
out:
5 h 54 min 46 s
